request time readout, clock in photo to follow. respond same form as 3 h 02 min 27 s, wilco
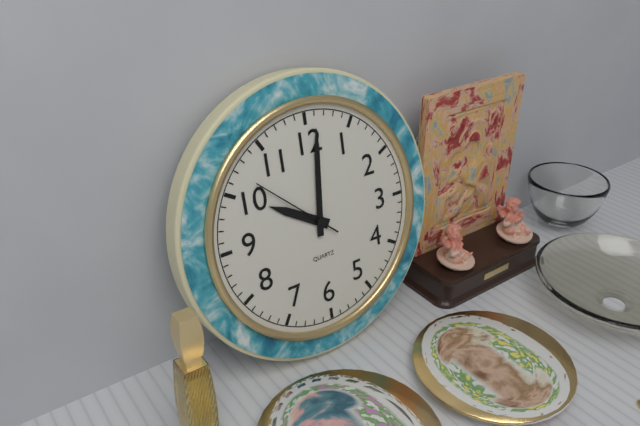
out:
10 h 01 min 52 s
